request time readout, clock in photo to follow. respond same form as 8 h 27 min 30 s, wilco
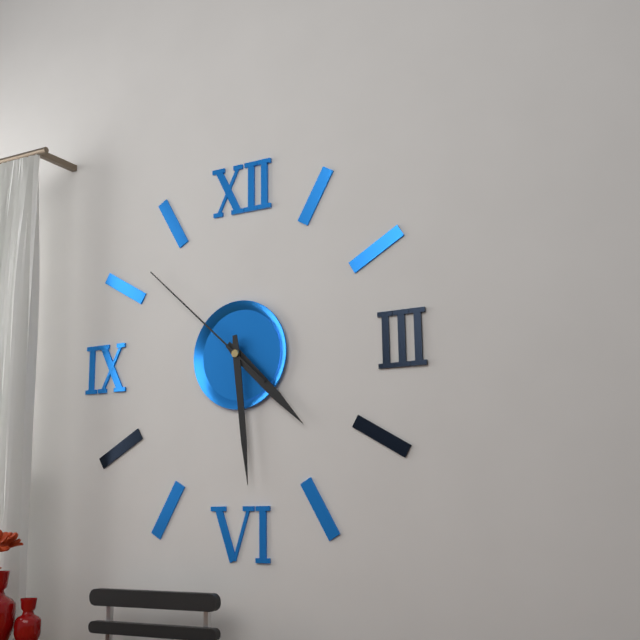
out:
4 h 29 min 52 s
